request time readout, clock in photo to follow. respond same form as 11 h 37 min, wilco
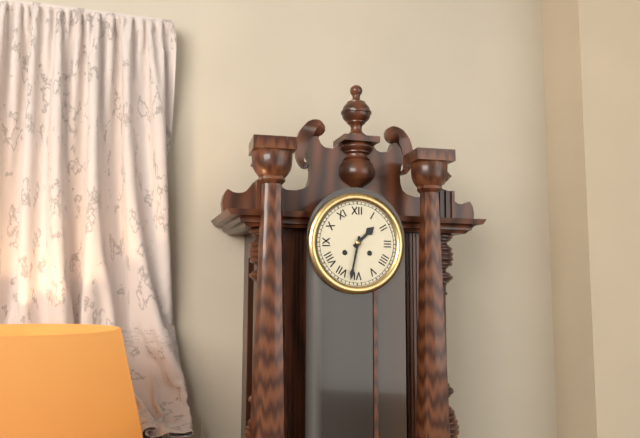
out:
1 h 32 min
